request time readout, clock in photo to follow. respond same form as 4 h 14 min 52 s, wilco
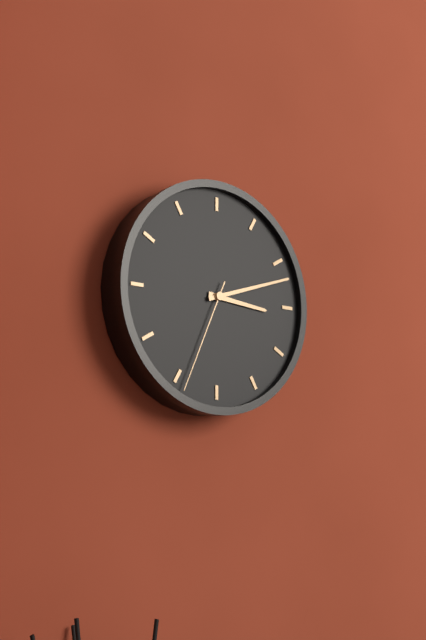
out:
3 h 12 min 34 s
